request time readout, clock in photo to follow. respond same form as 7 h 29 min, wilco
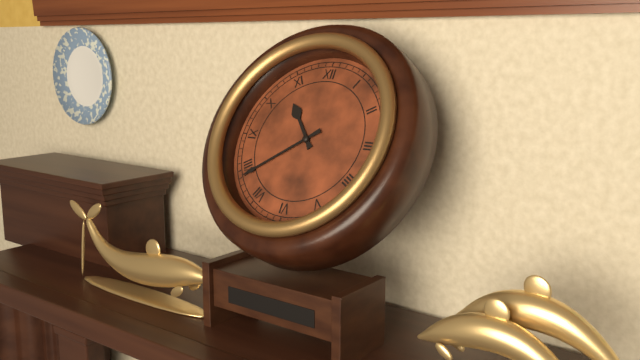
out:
10 h 39 min
